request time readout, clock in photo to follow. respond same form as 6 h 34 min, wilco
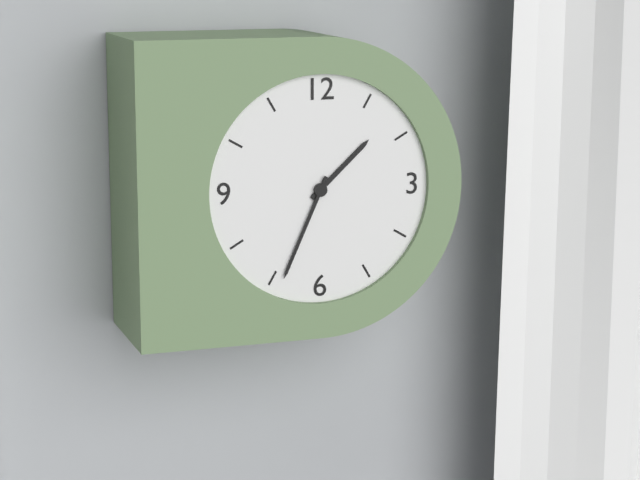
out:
1 h 34 min
